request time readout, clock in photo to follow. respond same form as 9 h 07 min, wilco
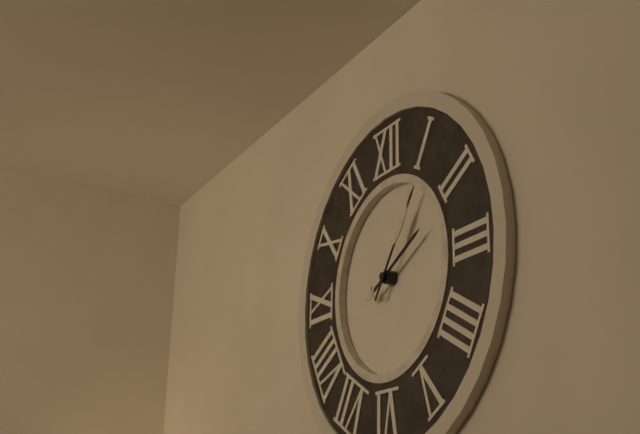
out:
2 h 06 min
